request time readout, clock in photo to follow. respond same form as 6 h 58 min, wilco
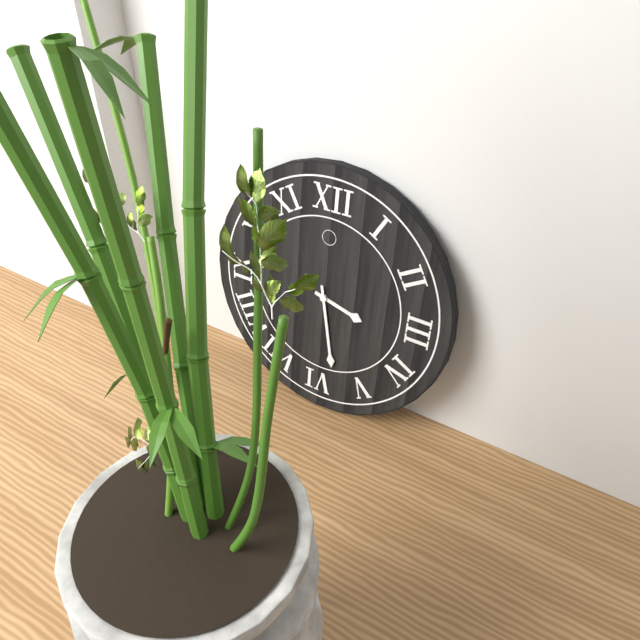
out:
3 h 28 min
